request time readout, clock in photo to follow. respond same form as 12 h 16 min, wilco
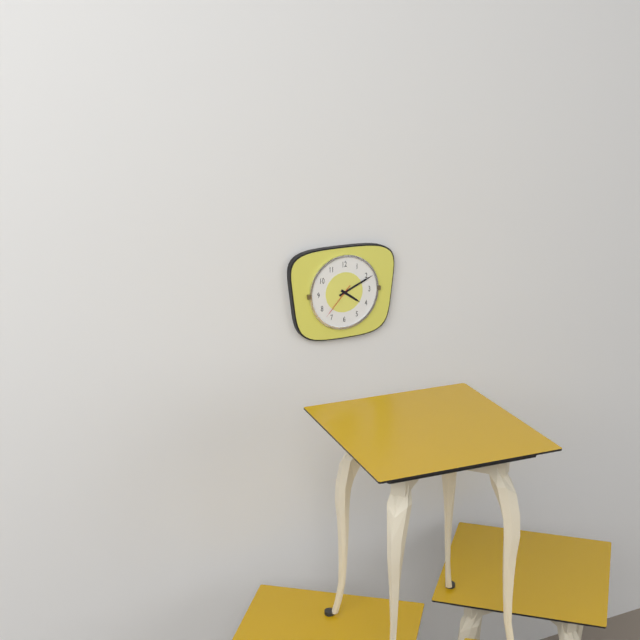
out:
4 h 11 min
